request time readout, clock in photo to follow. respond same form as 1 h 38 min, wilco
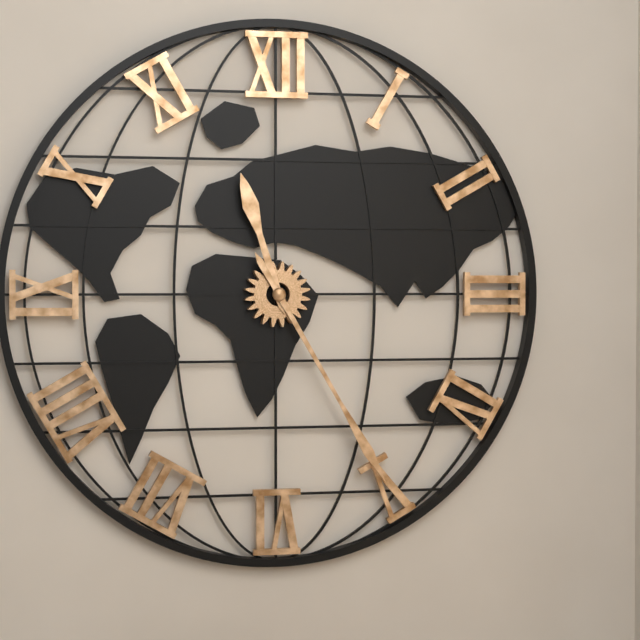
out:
11 h 25 min
